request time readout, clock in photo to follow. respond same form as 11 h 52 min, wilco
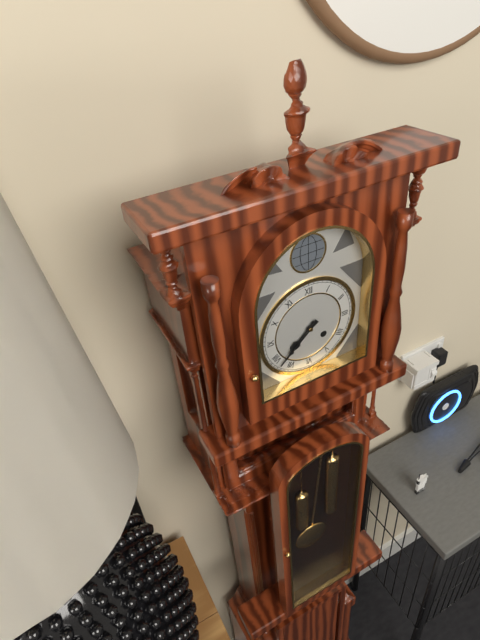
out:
7 h 38 min
